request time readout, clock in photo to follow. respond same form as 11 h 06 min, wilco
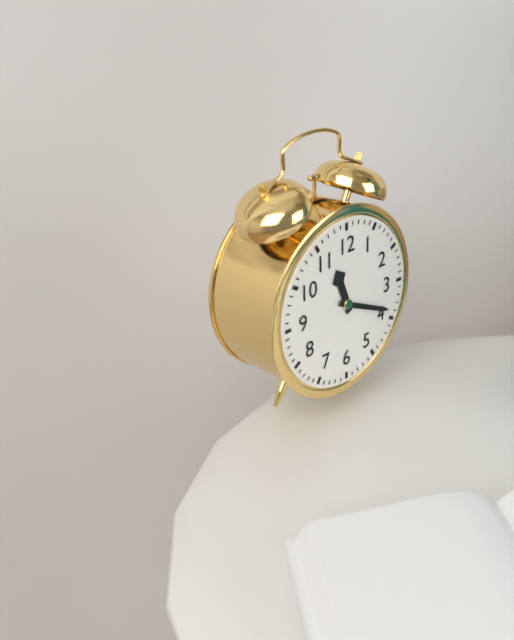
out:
11 h 19 min
